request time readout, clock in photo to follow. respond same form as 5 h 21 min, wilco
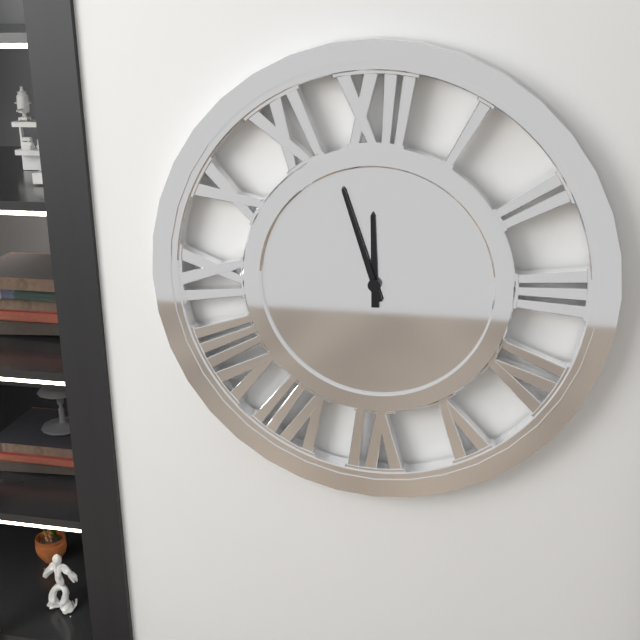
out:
11 h 57 min
